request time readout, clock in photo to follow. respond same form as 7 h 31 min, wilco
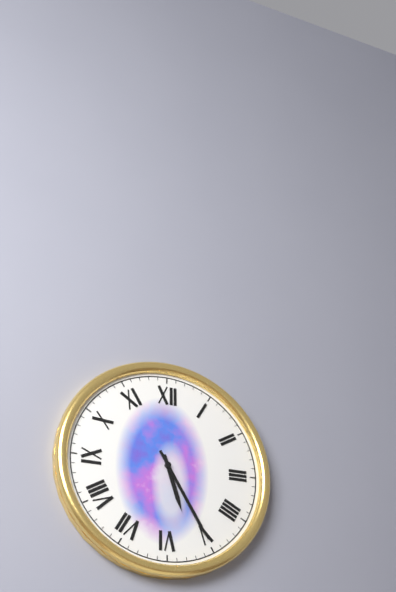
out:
5 h 25 min
